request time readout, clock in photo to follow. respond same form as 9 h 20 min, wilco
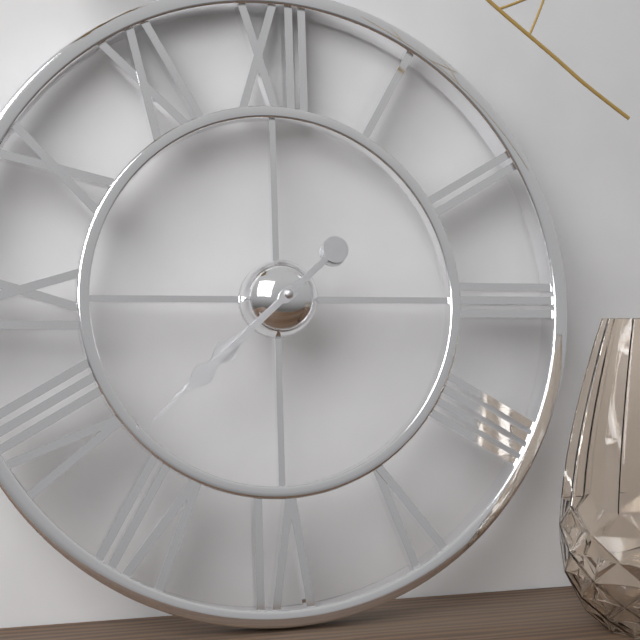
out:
7 h 38 min
